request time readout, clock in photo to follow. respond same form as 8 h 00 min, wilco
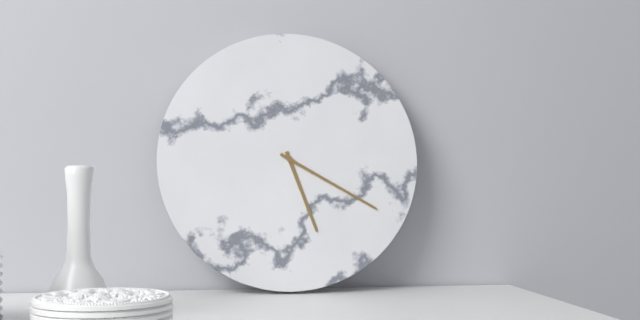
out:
5 h 20 min
